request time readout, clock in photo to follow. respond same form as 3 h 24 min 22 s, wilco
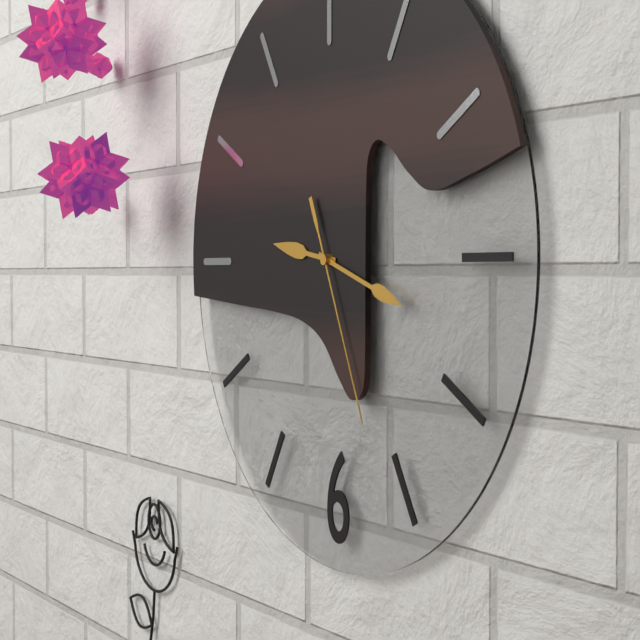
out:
9 h 18 min 26 s
